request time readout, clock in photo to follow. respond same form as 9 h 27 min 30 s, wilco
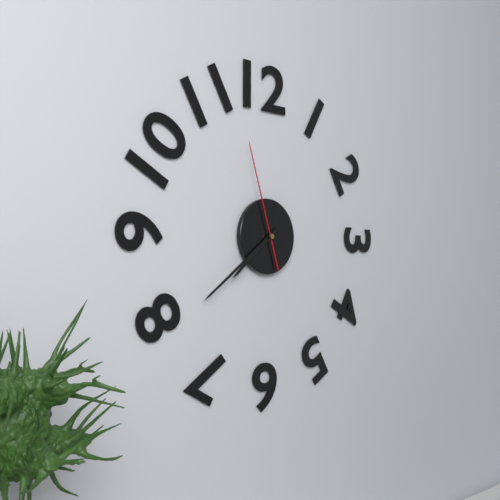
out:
7 h 39 min 57 s
